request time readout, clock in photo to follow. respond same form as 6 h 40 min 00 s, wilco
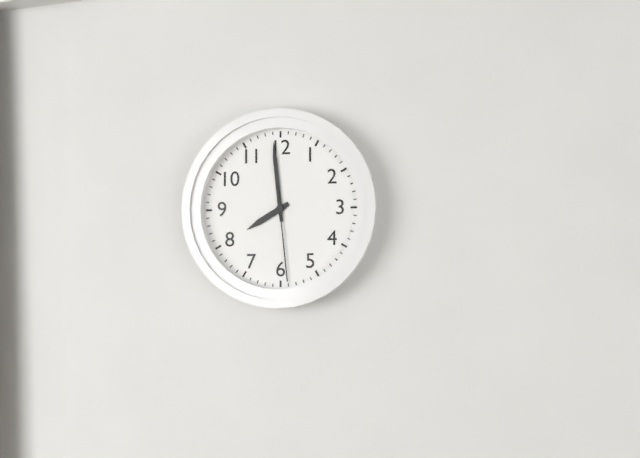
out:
7 h 59 min 29 s
